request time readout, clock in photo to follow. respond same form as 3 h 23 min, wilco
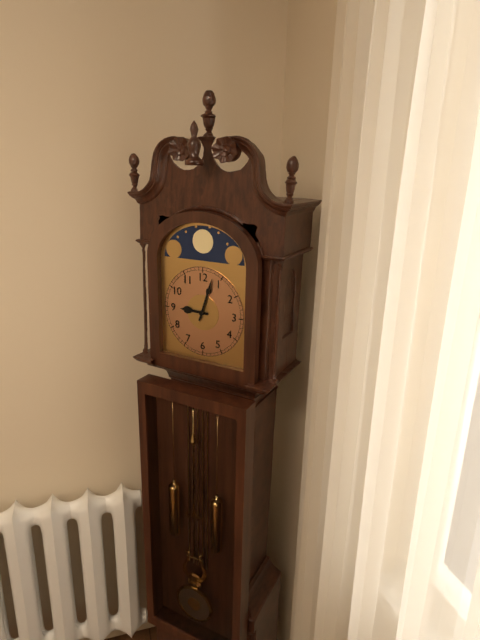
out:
9 h 03 min
